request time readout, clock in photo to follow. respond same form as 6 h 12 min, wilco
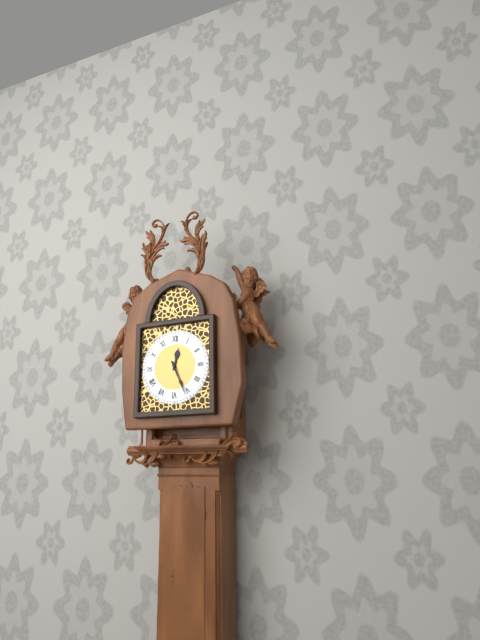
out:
12 h 26 min
